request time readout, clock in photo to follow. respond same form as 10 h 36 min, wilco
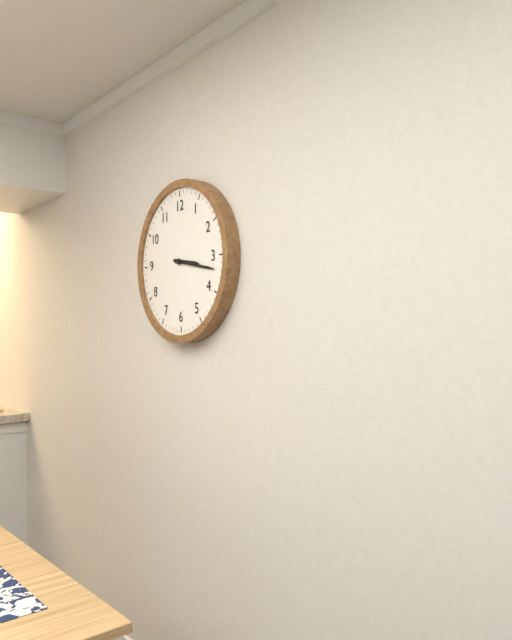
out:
3 h 17 min
